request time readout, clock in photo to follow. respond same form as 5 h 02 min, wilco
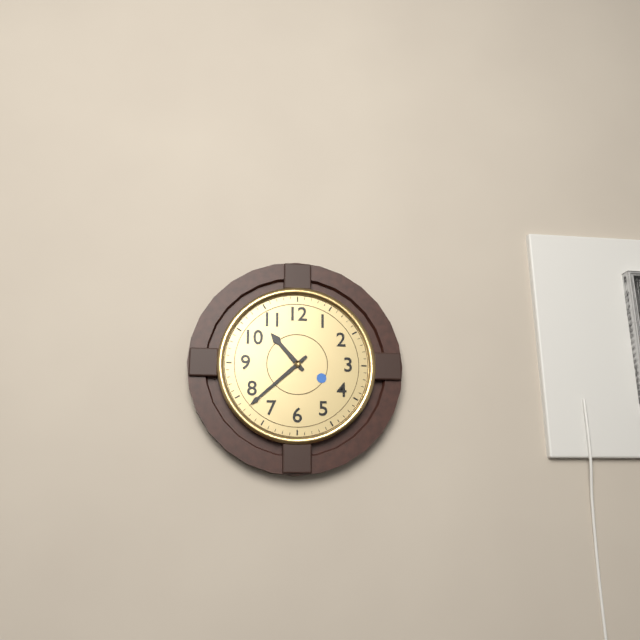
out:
10 h 38 min
